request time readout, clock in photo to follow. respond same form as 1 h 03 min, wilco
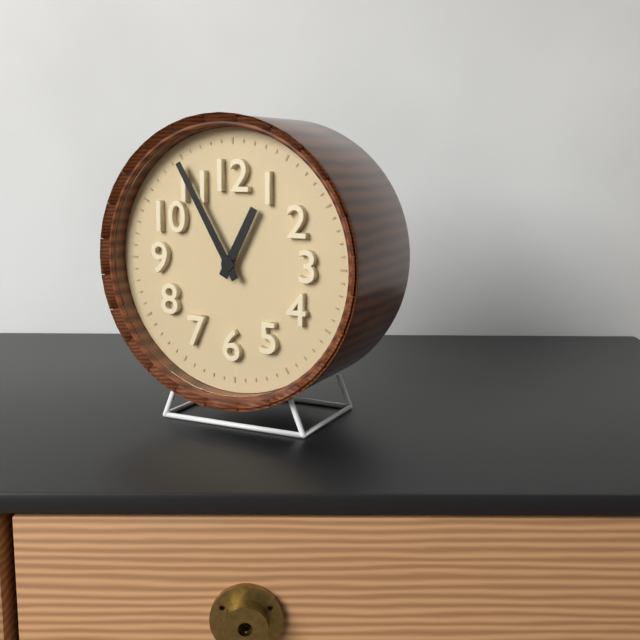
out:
12 h 55 min
